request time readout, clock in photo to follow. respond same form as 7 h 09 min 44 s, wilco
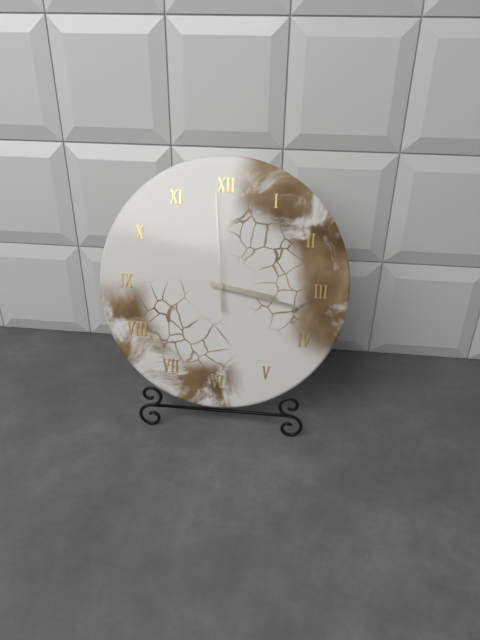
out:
3 h 17 min 59 s
